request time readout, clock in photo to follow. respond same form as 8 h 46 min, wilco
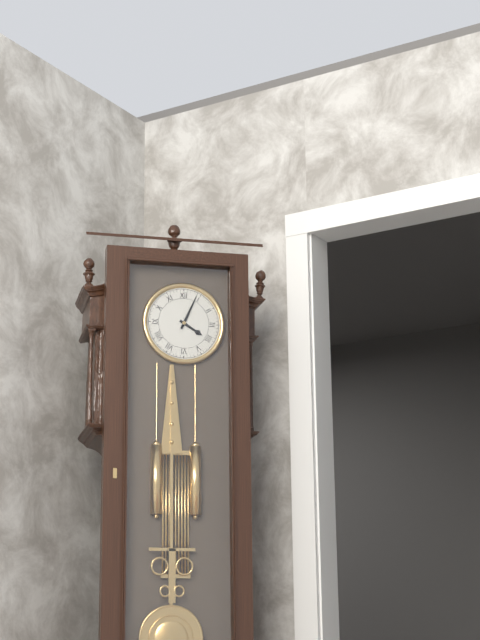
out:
4 h 04 min
